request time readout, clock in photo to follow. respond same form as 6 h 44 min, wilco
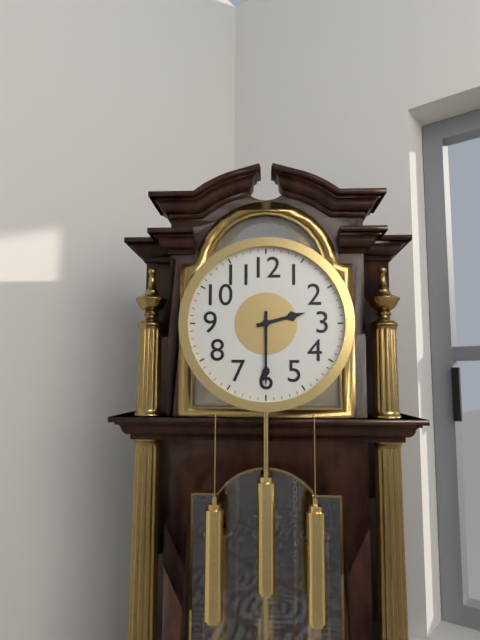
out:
2 h 30 min
